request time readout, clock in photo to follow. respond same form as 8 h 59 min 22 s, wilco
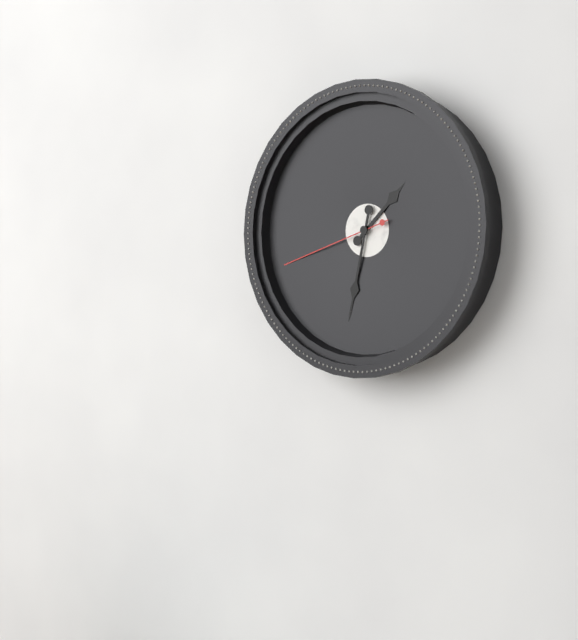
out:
1 h 32 min 42 s
